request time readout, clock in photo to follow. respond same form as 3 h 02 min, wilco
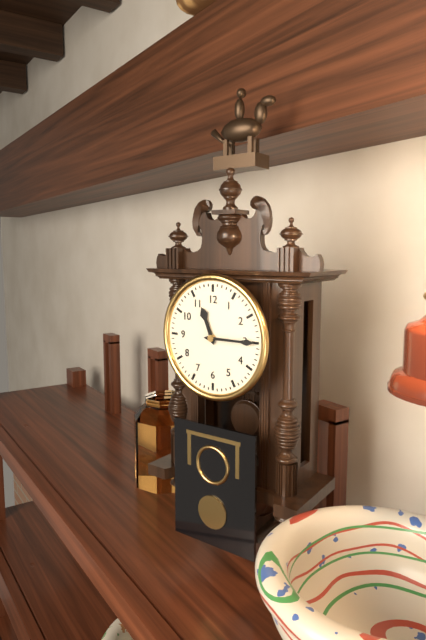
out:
11 h 15 min
